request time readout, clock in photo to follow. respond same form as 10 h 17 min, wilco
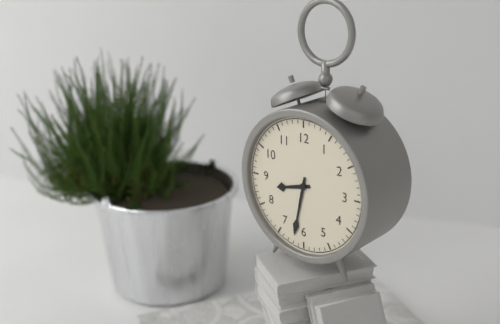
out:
8 h 32 min
